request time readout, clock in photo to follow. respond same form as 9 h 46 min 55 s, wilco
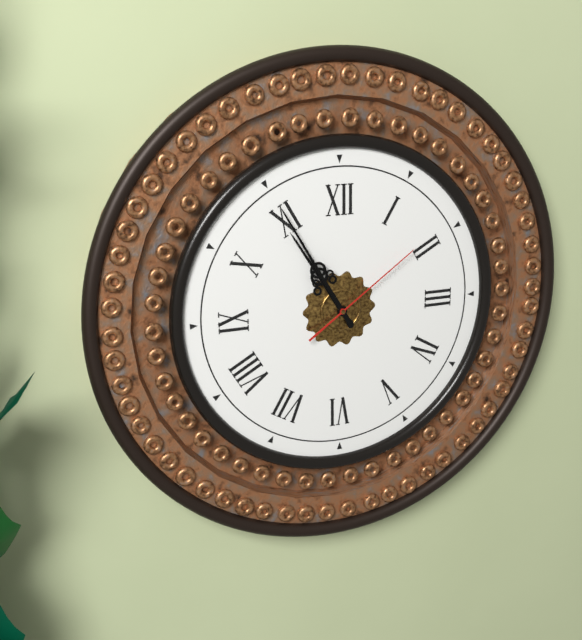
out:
10 h 55 min 09 s
